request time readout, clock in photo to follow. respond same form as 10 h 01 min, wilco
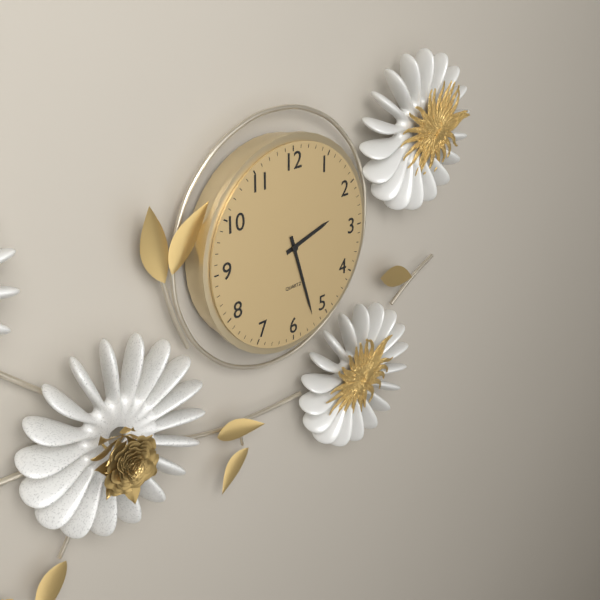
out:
2 h 27 min
